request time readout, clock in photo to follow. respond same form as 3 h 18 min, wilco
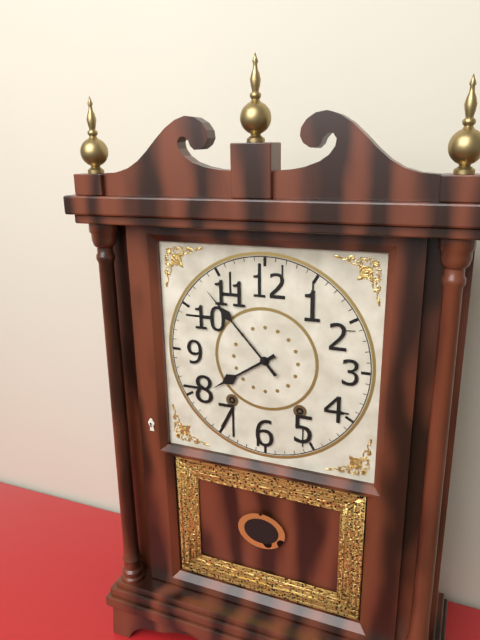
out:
7 h 53 min
